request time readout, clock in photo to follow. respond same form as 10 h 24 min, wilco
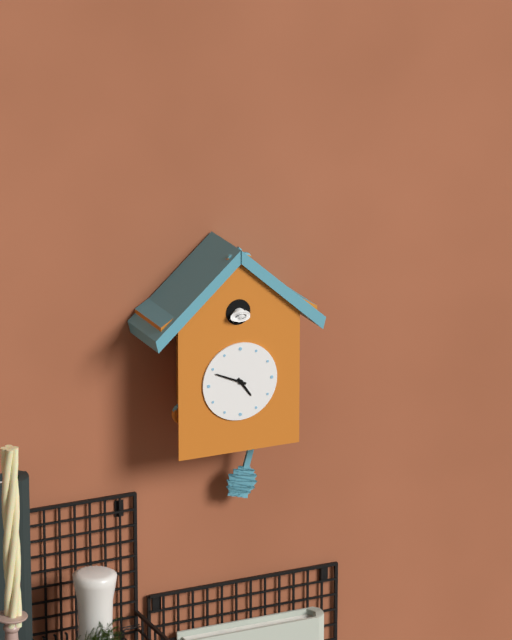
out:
4 h 49 min
